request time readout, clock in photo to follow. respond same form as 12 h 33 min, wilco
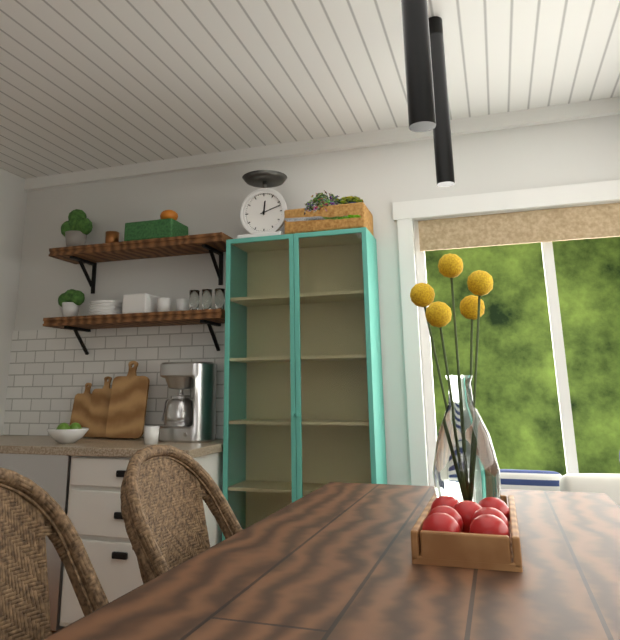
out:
12 h 12 min
